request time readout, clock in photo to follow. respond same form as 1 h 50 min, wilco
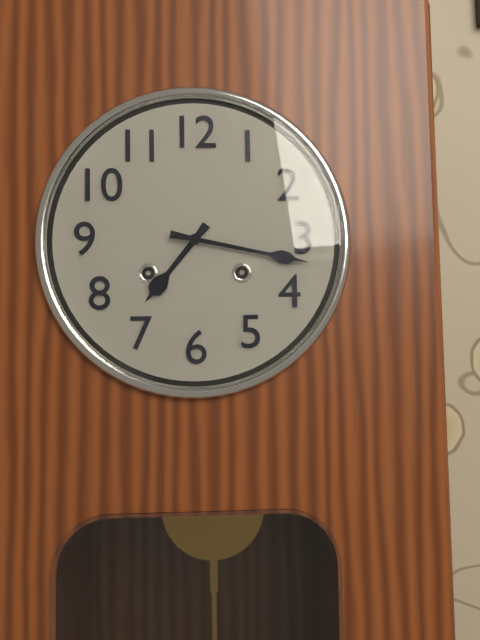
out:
7 h 17 min
